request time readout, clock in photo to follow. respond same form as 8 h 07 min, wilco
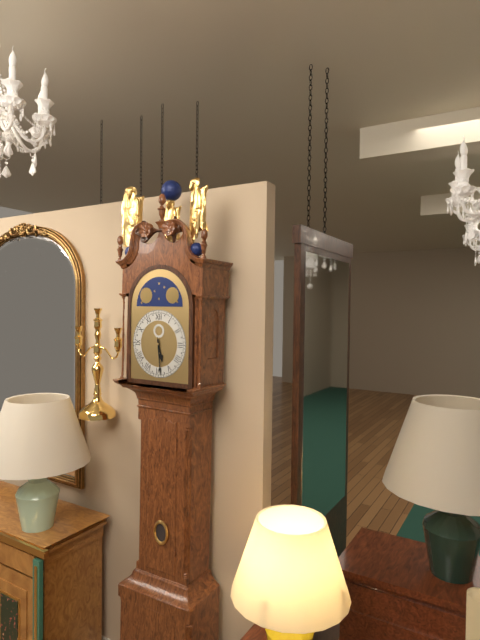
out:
5 h 29 min
